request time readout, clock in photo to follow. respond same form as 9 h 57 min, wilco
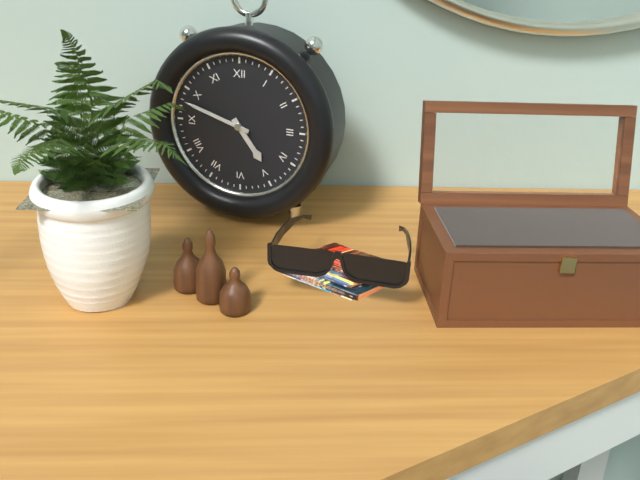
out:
4 h 48 min
